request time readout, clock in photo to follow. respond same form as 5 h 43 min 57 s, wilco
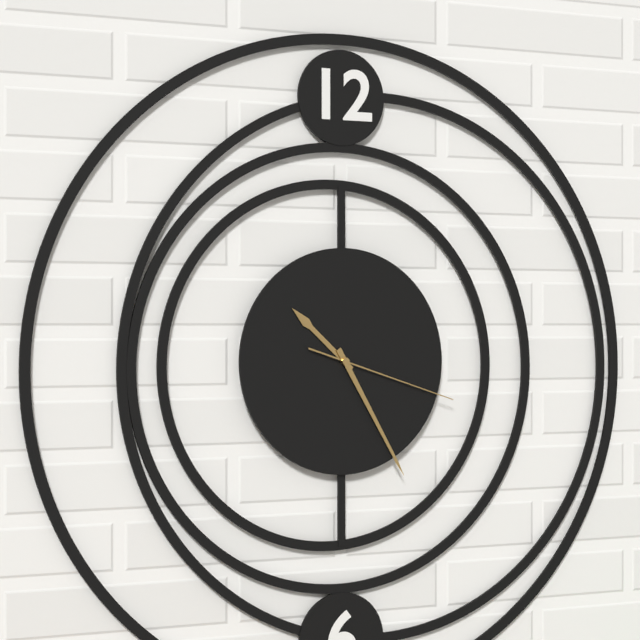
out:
10 h 25 min 18 s
